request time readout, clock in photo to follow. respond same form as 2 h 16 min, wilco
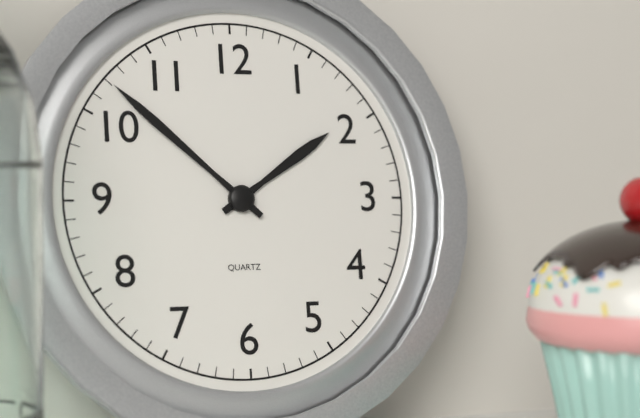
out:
1 h 52 min
